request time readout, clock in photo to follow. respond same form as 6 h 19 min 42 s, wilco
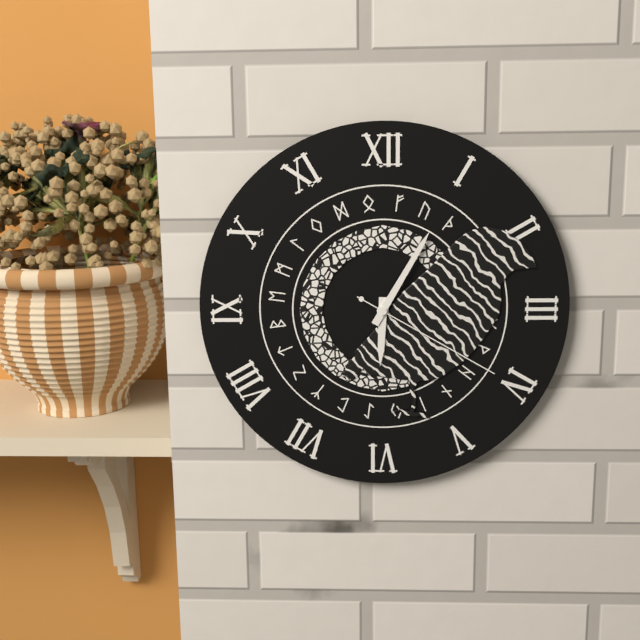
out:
6 h 05 min 20 s
